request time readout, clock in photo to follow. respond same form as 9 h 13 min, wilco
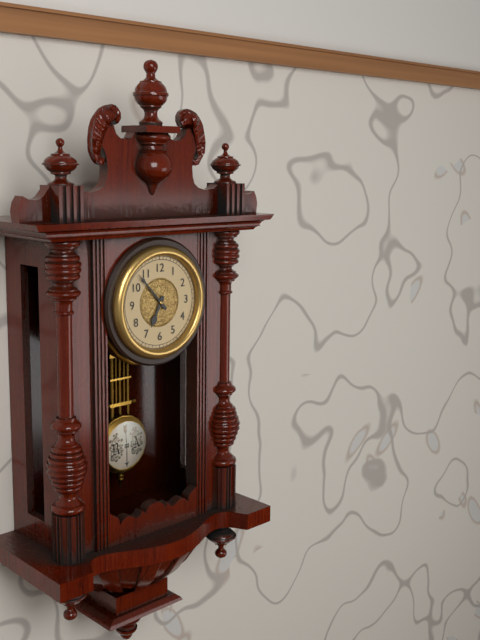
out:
6 h 53 min
